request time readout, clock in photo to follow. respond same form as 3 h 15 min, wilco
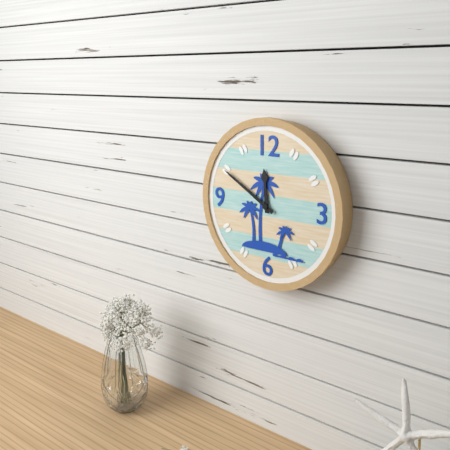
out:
11 h 50 min
